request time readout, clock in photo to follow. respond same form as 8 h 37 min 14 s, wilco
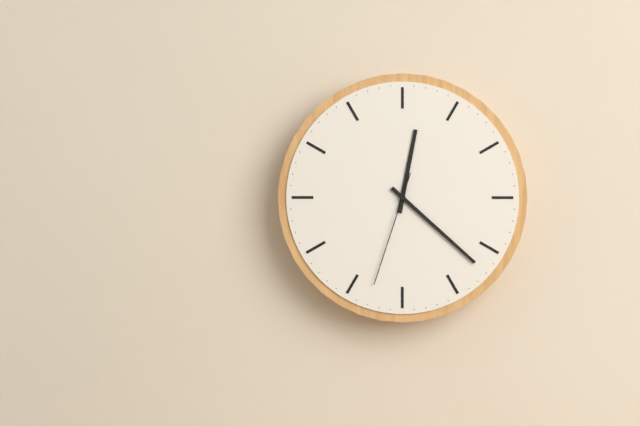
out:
12 h 22 min 33 s
